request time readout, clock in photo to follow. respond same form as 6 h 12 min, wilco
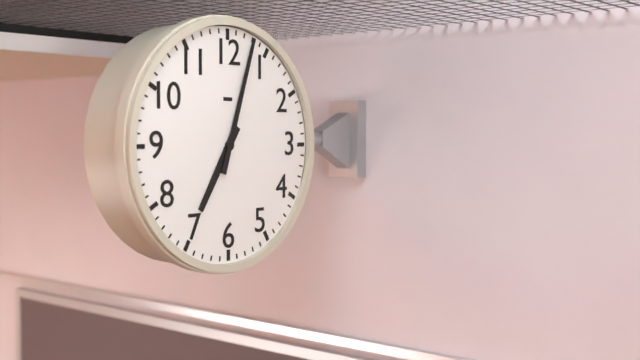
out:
7 h 03 min
